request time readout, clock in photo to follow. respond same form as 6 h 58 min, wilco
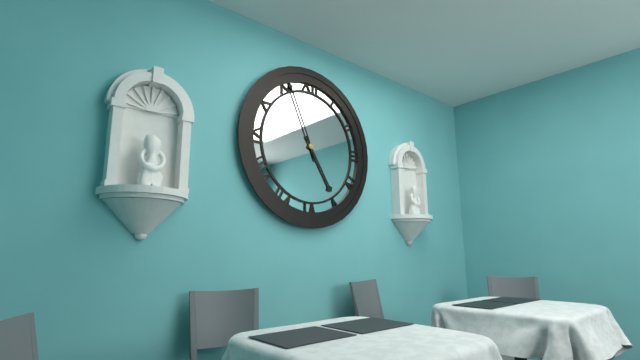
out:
4 h 56 min
